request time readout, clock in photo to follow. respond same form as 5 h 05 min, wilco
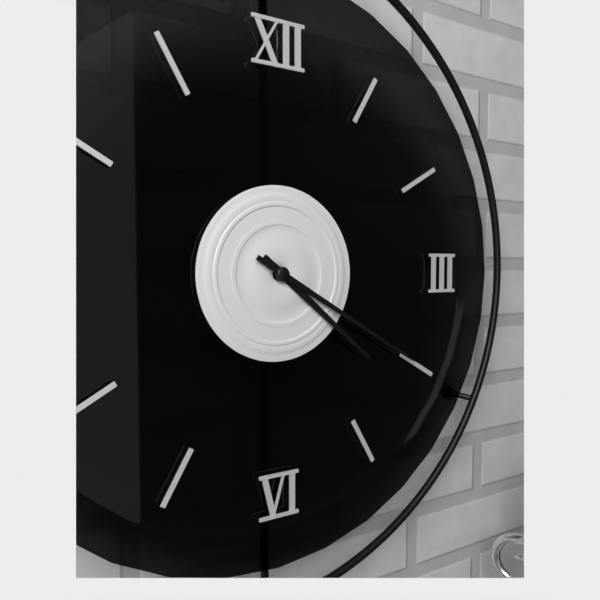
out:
4 h 20 min
